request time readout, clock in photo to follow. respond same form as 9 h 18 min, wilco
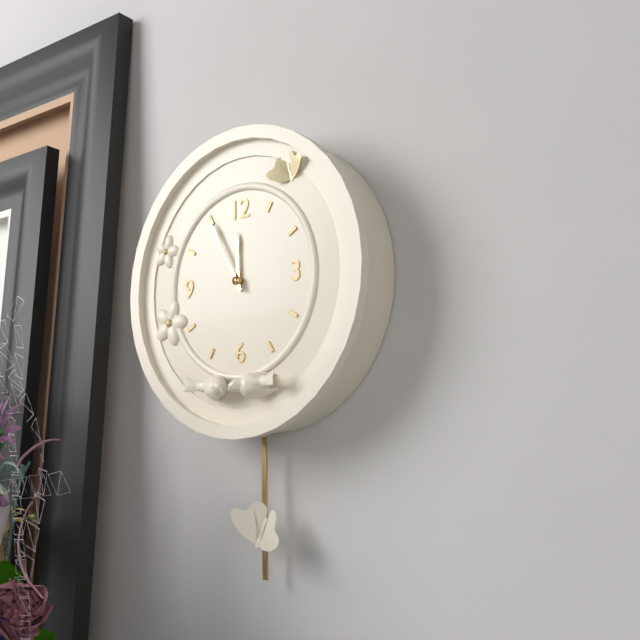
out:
11 h 55 min
